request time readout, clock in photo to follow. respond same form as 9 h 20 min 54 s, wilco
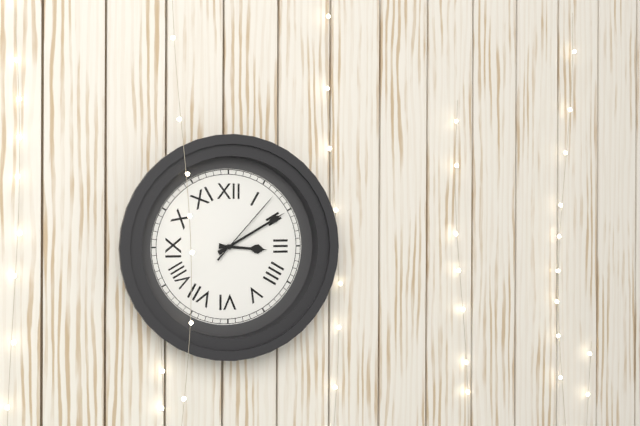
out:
3 h 10 min 07 s
